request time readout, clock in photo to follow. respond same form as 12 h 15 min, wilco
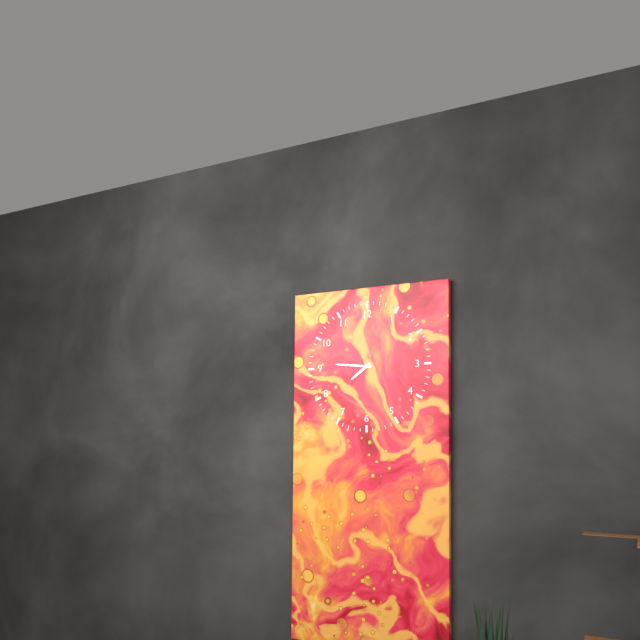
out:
7 h 46 min
